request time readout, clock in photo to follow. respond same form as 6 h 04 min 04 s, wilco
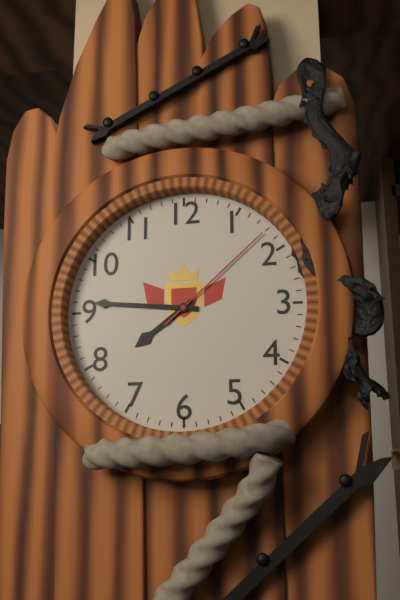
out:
7 h 46 min 08 s
